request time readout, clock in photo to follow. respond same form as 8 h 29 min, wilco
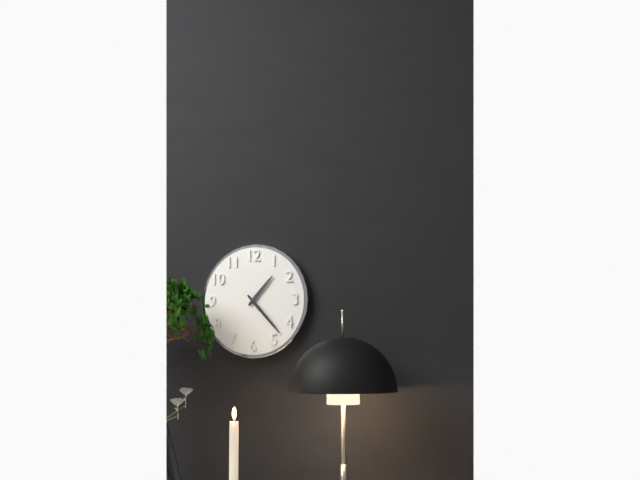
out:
1 h 23 min
